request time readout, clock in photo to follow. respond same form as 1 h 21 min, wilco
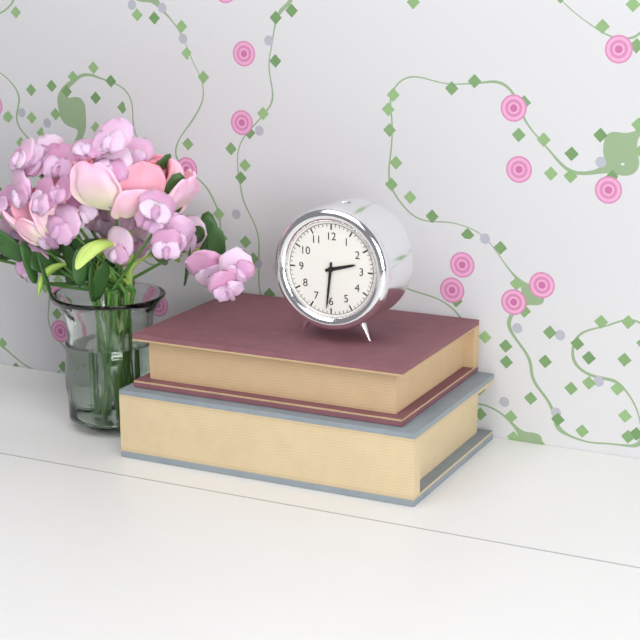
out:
2 h 31 min
